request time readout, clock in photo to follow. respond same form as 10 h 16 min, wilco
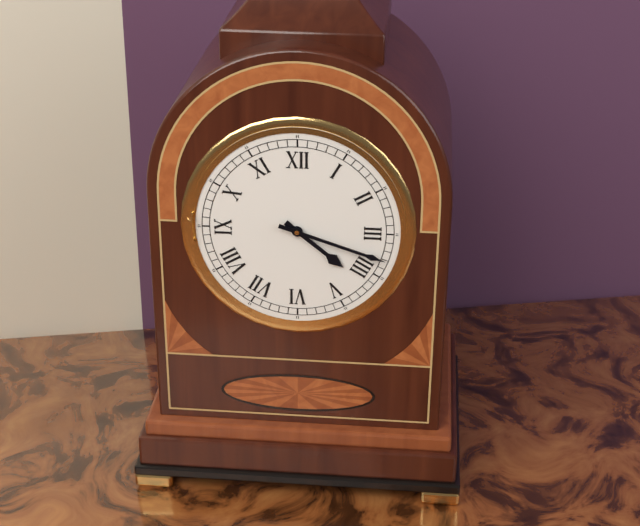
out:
4 h 18 min
